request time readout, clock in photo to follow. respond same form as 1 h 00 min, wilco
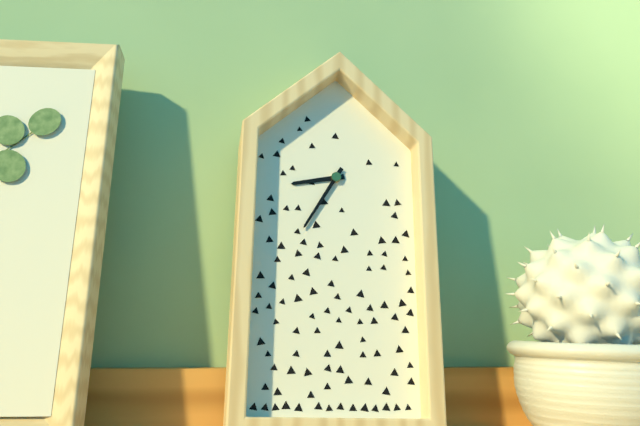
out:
8 h 35 min
